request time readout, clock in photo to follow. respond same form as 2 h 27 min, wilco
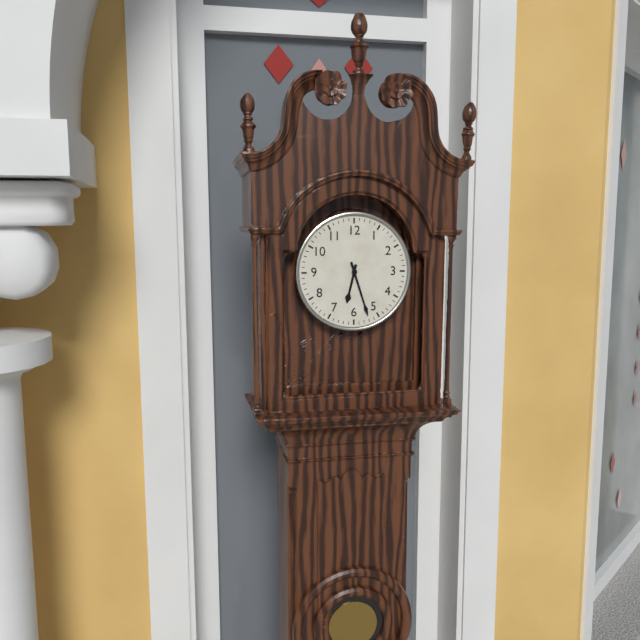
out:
6 h 27 min
